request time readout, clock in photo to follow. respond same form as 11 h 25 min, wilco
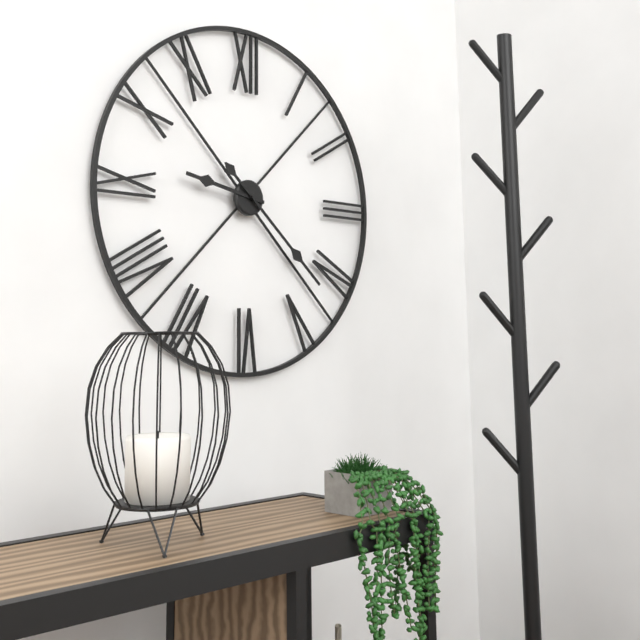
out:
9 h 22 min
